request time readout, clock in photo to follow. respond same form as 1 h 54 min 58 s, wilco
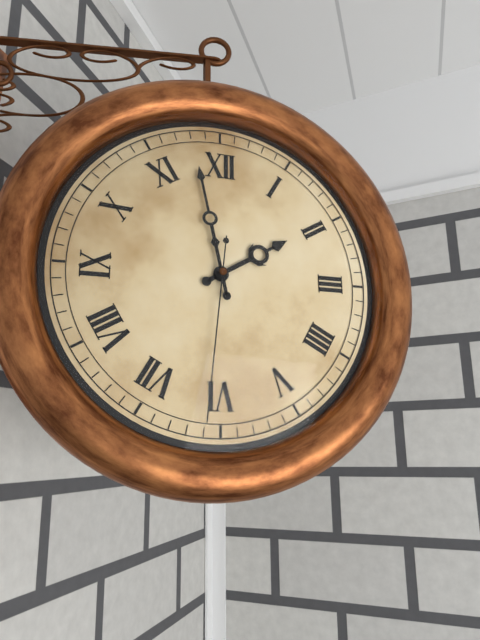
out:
1 h 58 min 31 s
